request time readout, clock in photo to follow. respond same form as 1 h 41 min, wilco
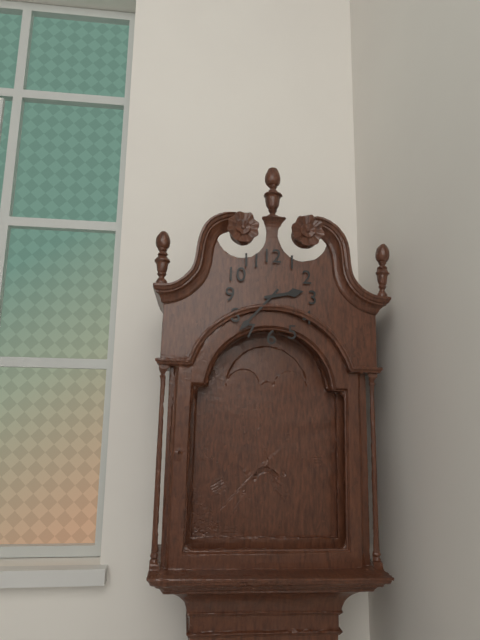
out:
2 h 37 min
